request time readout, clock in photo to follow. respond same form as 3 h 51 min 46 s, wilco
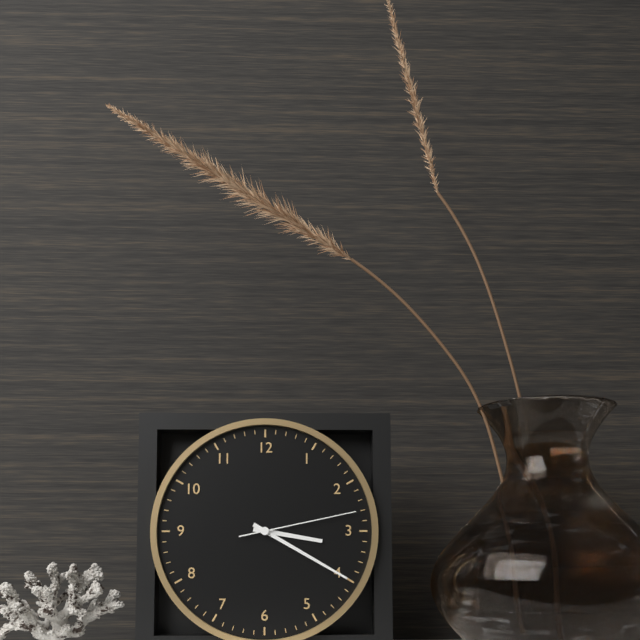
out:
3 h 20 min 13 s
